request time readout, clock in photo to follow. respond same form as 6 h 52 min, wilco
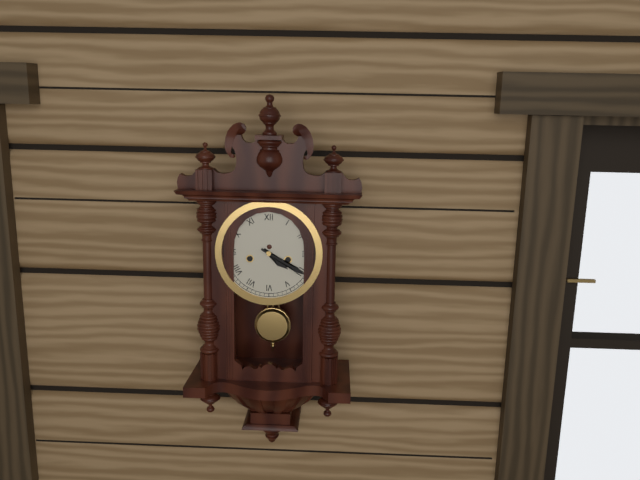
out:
4 h 20 min
